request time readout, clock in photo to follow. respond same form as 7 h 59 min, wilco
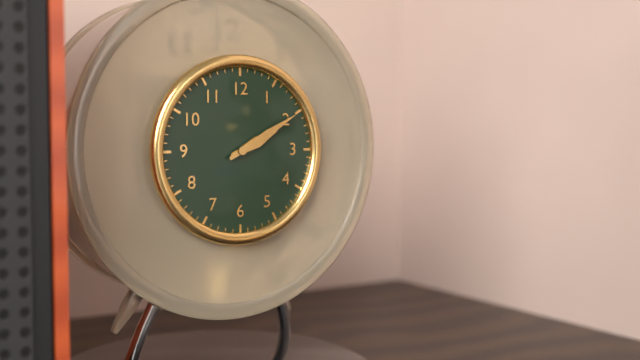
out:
2 h 10 min
